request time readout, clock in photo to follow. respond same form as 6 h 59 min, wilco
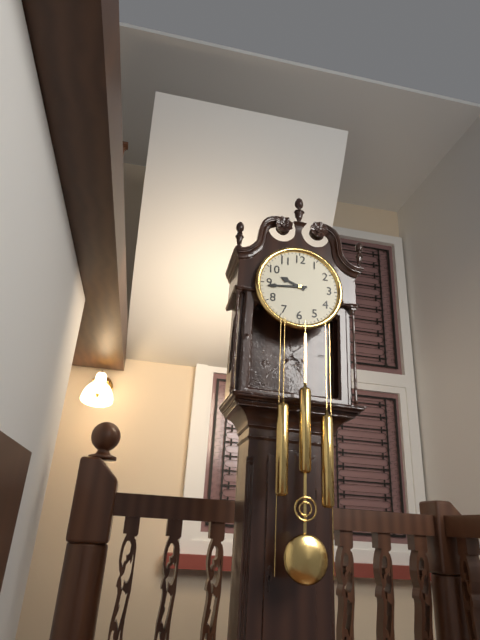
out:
9 h 44 min
